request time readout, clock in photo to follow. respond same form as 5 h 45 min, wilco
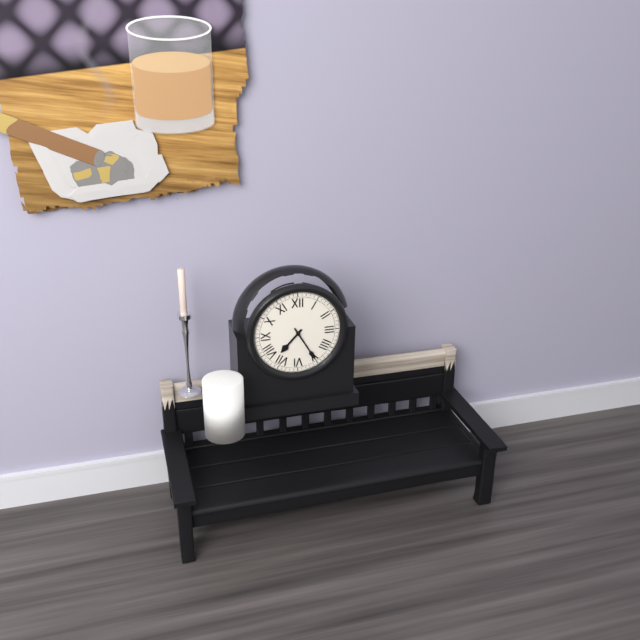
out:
7 h 25 min
